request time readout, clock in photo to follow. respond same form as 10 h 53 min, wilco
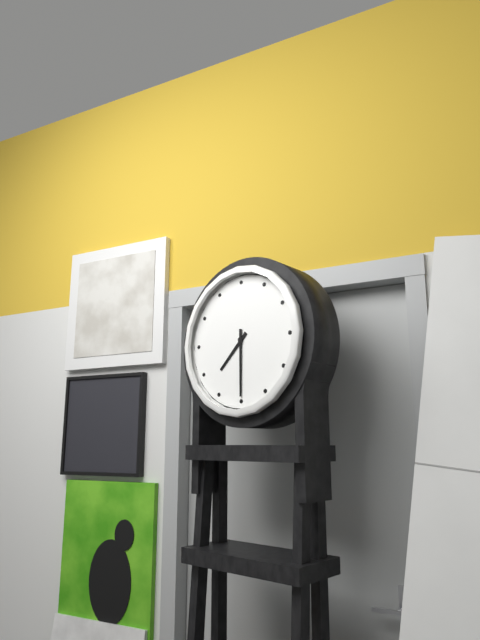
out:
7 h 30 min
